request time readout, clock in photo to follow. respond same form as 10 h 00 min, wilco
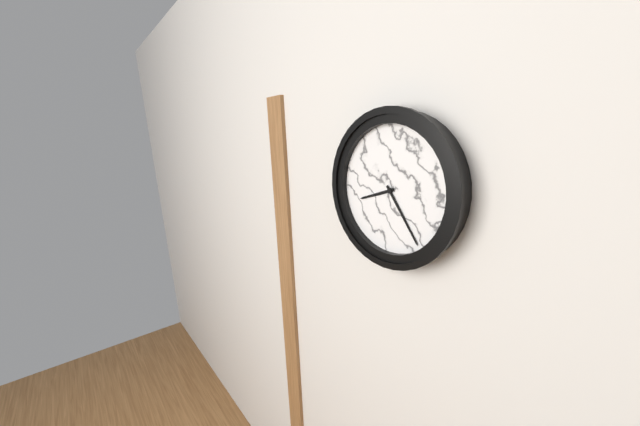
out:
8 h 24 min
